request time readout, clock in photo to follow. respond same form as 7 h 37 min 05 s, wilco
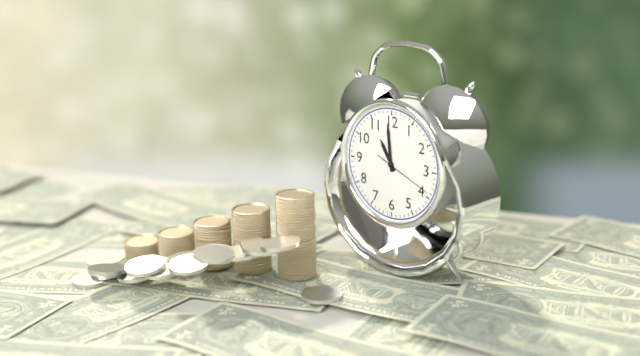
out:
10 h 59 min 19 s
